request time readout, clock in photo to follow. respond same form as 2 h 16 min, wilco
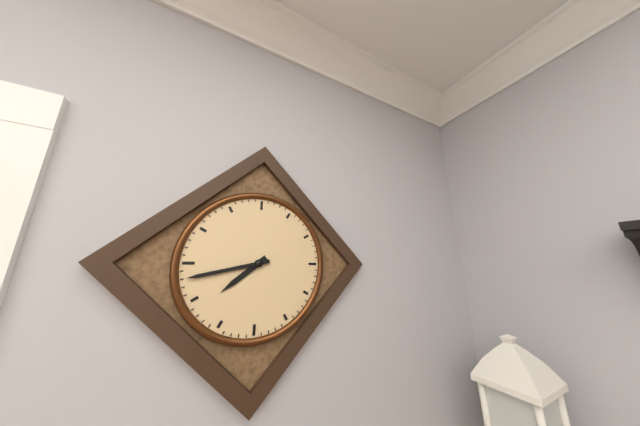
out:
7 h 43 min
